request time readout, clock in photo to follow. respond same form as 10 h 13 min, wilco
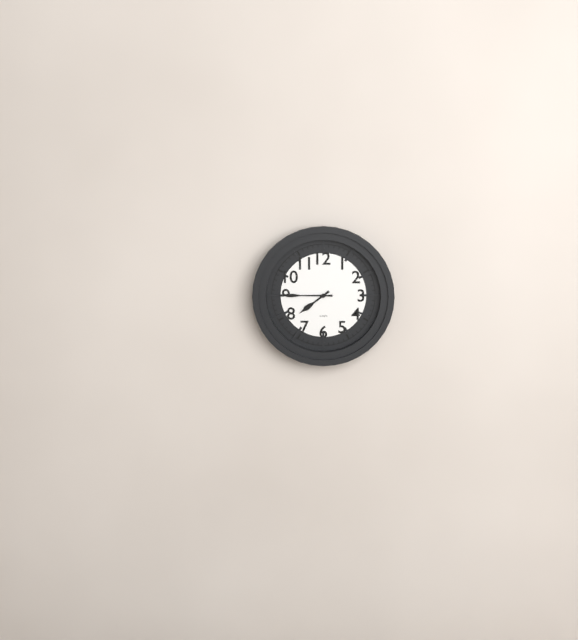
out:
7 h 45 min
